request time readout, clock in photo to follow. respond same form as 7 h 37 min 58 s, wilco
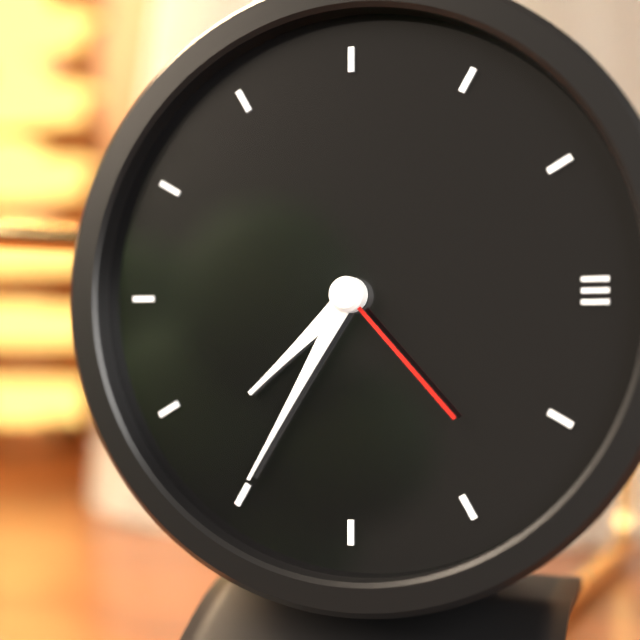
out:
7 h 35 min 23 s
